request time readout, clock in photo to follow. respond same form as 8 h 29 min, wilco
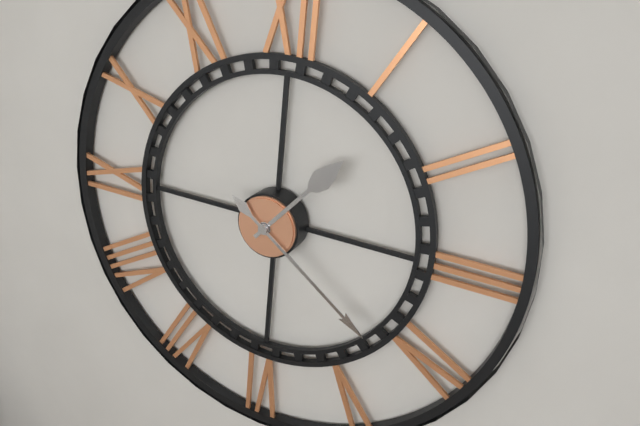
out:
1 h 21 min
